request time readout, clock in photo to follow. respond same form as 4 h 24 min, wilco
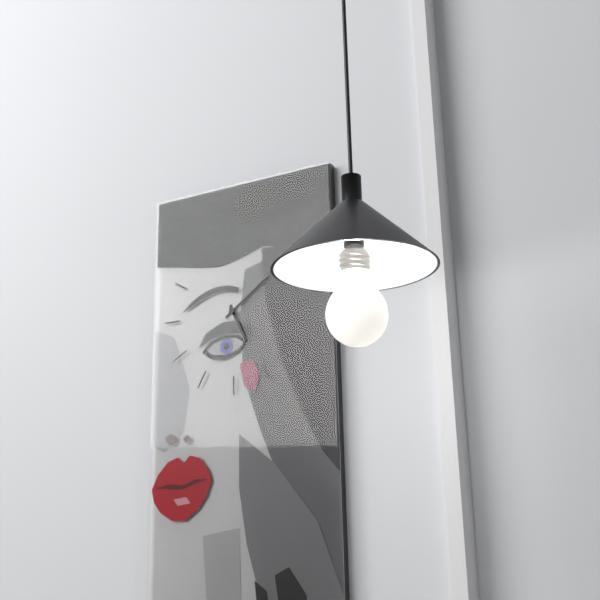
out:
5 h 09 min
